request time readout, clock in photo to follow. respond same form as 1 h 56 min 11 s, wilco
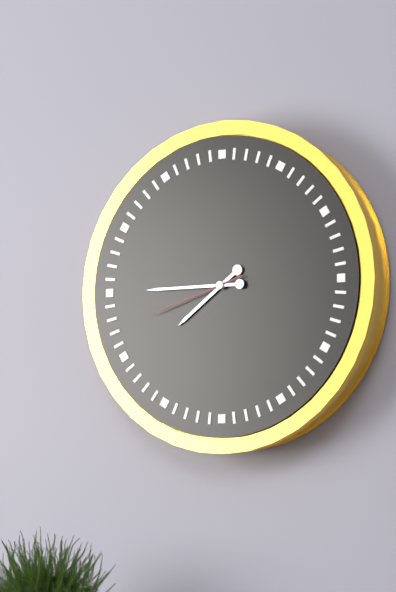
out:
7 h 45 min 42 s
